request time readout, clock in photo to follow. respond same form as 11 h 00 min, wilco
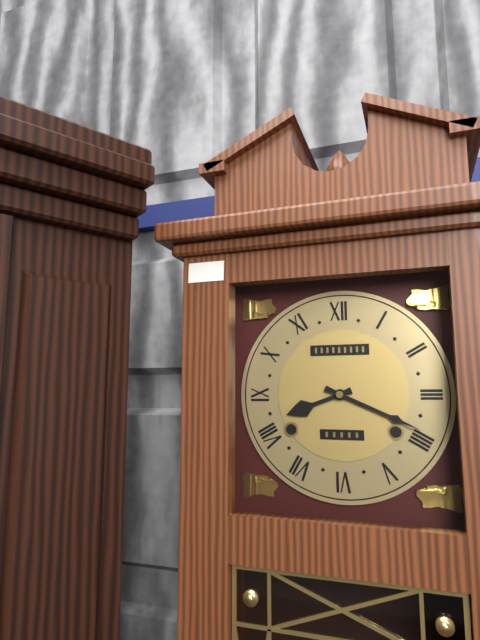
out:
8 h 19 min
